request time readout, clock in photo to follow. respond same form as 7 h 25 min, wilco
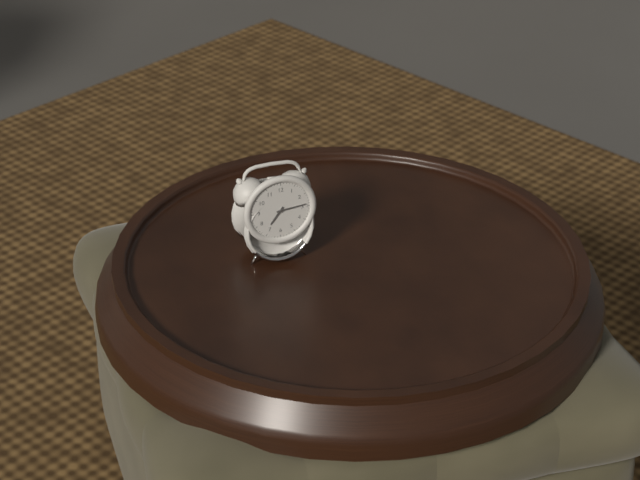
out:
7 h 14 min
